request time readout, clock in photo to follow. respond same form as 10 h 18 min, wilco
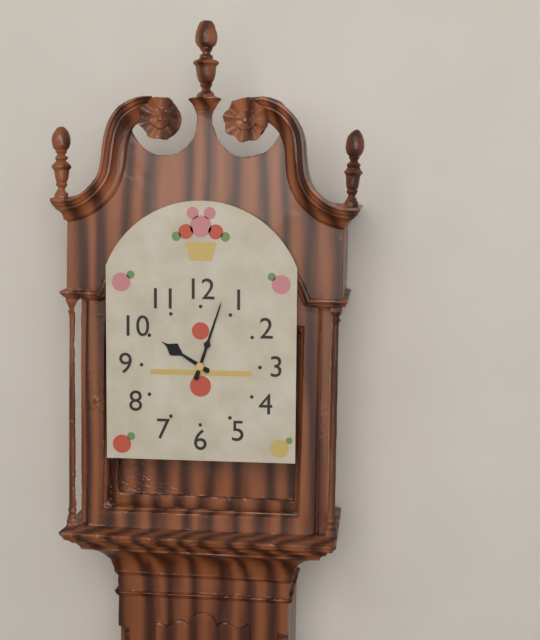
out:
10 h 03 min
